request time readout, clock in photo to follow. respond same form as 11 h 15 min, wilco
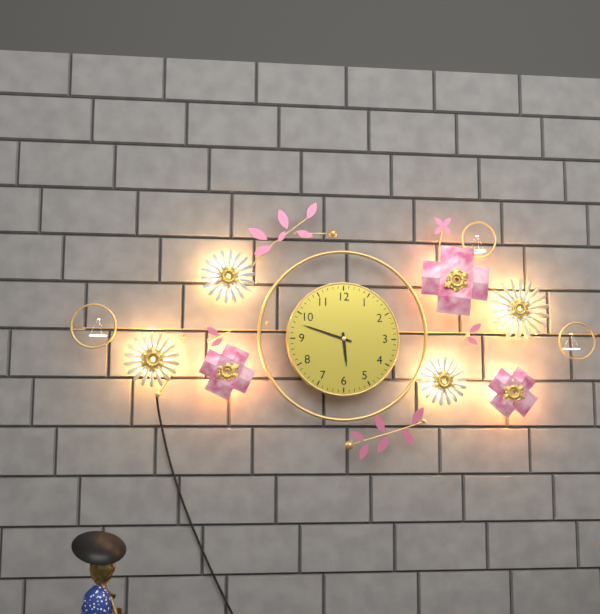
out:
5 h 48 min
